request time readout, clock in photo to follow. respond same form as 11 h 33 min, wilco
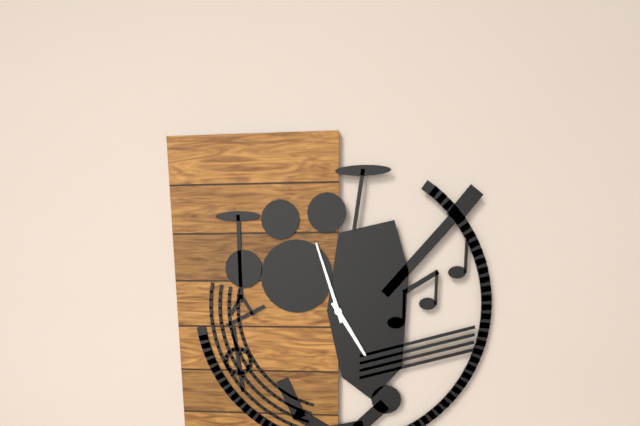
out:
4 h 57 min
